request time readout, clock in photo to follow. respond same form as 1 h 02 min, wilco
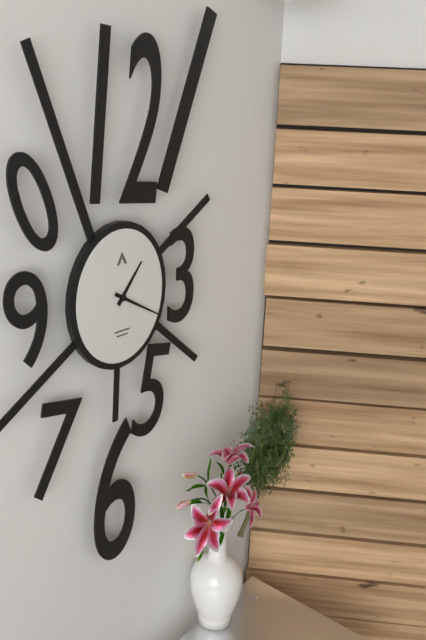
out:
1 h 20 min
